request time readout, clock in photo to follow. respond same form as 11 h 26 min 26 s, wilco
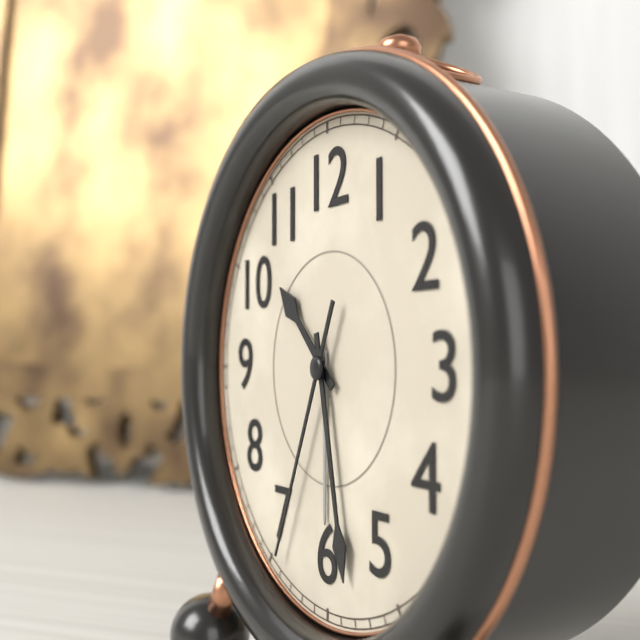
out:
10 h 28 min 34 s
